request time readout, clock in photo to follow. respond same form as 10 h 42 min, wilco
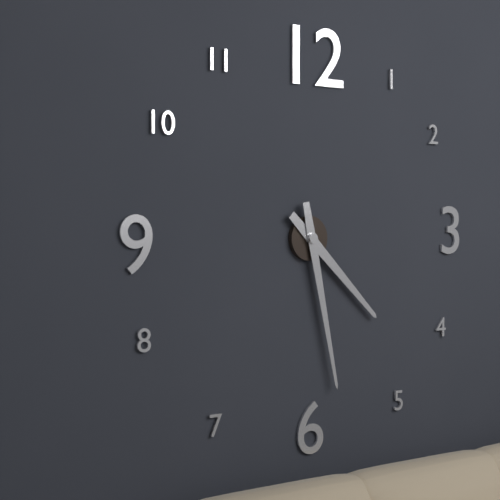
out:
4 h 28 min
